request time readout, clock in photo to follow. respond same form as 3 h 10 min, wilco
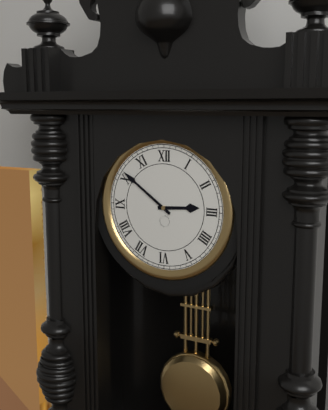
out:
2 h 51 min
